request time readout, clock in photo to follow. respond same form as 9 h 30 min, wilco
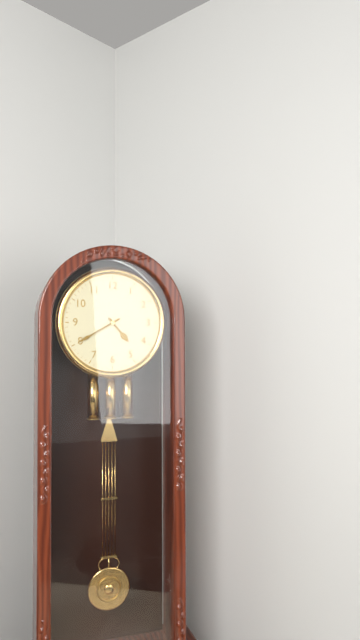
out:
4 h 40 min
